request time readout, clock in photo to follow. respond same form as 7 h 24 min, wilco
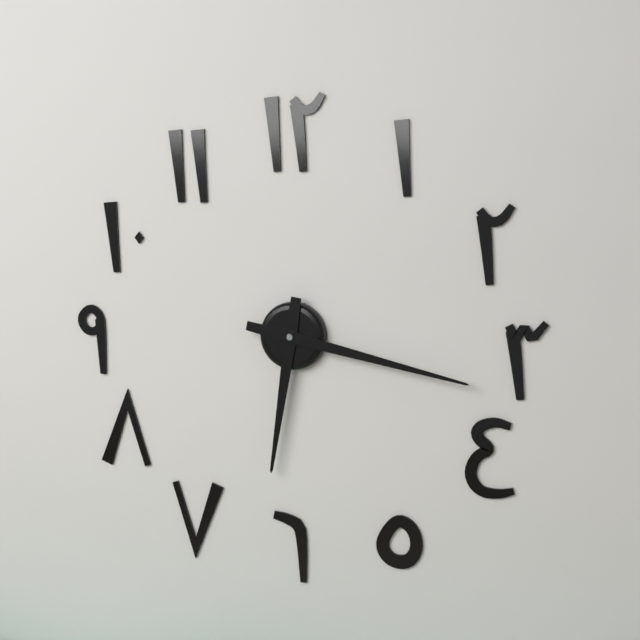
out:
6 h 17 min
